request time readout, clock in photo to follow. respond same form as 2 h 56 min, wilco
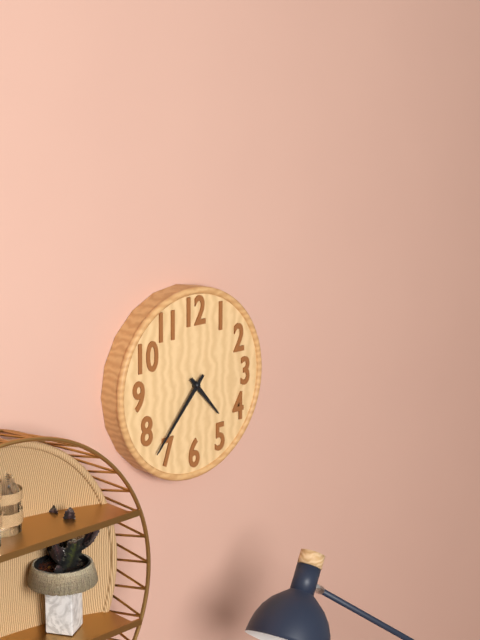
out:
4 h 37 min
